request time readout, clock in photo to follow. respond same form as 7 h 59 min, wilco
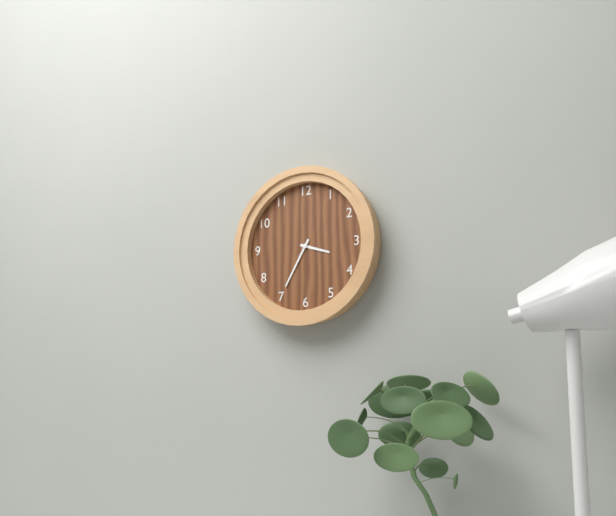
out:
3 h 35 min
